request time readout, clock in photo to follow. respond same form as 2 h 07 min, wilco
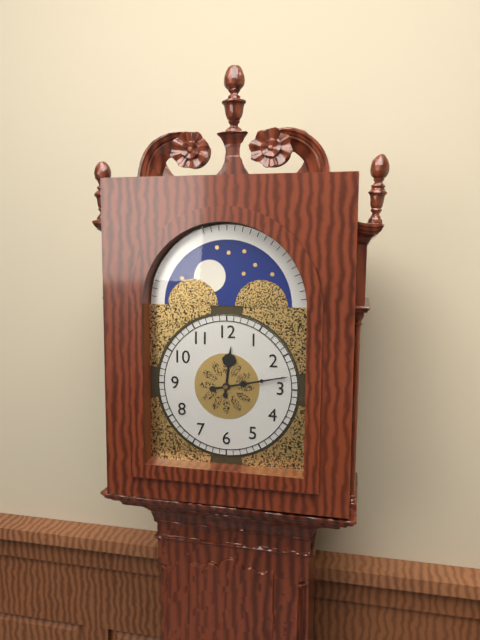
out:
12 h 13 min
